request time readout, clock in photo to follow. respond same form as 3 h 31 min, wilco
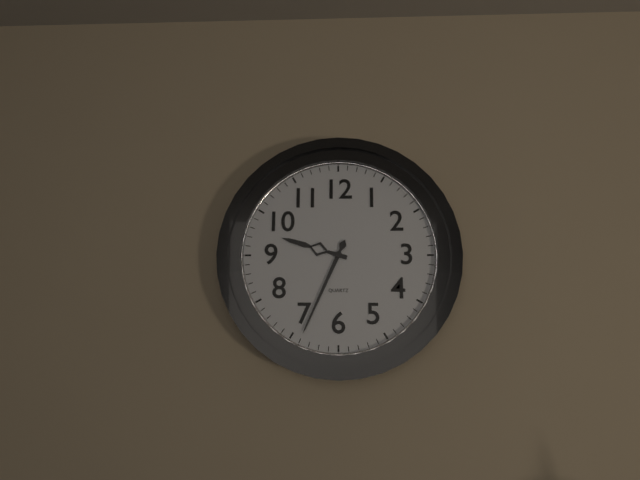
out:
9 h 34 min
